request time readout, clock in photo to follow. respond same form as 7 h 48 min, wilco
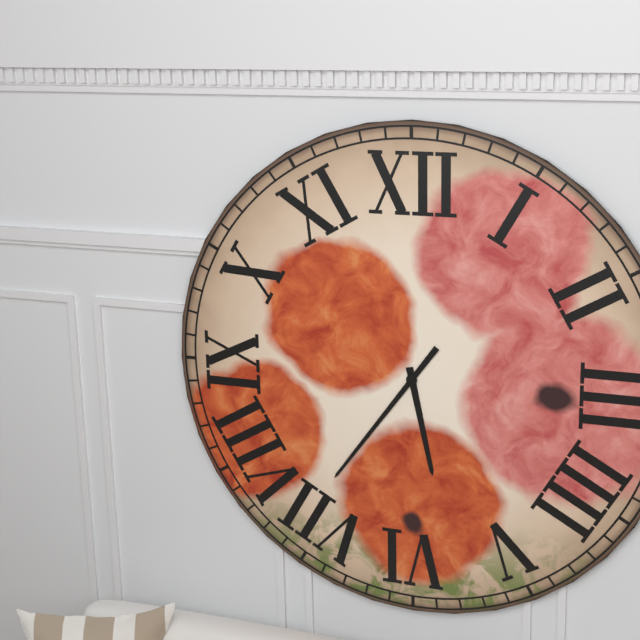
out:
5 h 36 min
